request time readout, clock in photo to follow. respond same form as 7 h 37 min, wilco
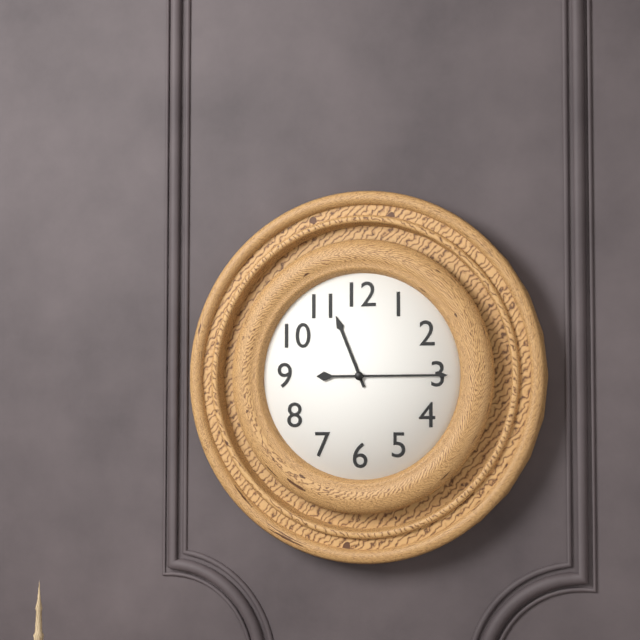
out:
11 h 15 min
